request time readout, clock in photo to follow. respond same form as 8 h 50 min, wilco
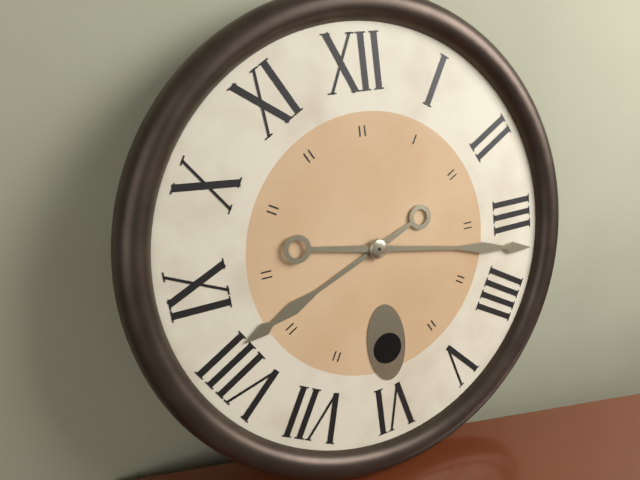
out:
8 h 17 min
